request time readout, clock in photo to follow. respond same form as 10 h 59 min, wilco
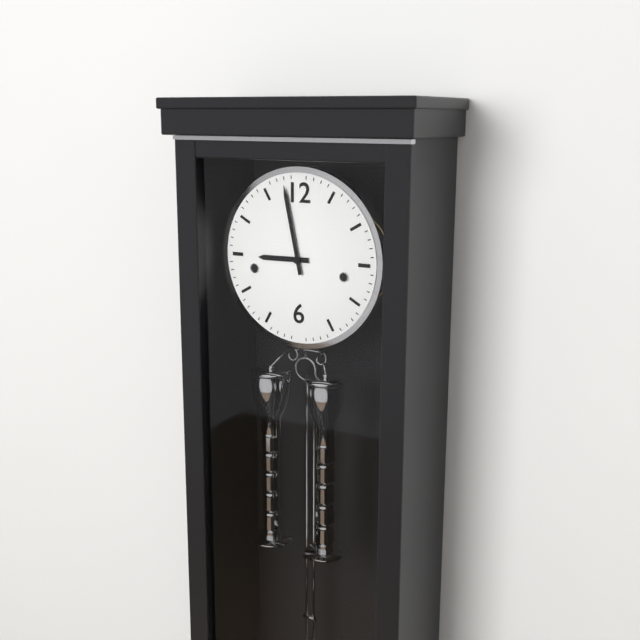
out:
8 h 58 min
